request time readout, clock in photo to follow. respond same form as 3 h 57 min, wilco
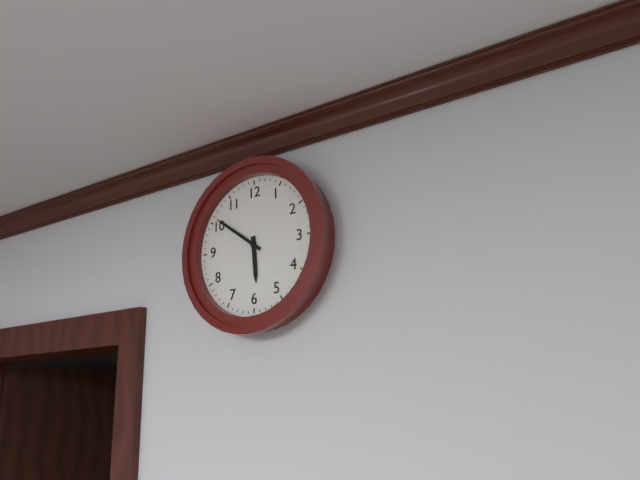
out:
5 h 51 min
